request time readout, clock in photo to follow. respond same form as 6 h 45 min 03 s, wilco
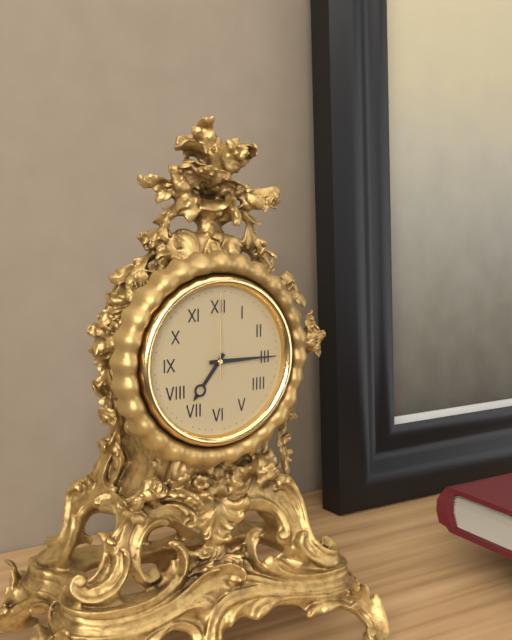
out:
7 h 15 min 00 s
